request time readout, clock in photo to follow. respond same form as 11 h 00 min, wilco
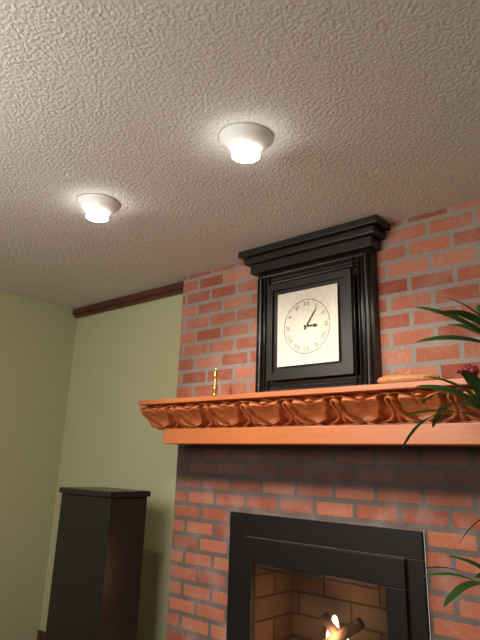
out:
3 h 06 min
